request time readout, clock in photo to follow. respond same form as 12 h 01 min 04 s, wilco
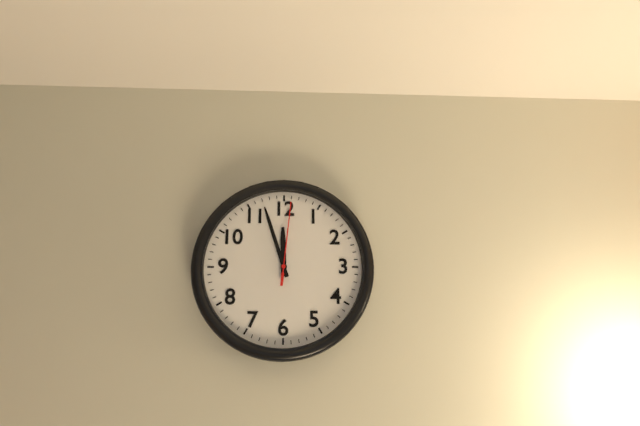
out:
11 h 57 min 01 s
